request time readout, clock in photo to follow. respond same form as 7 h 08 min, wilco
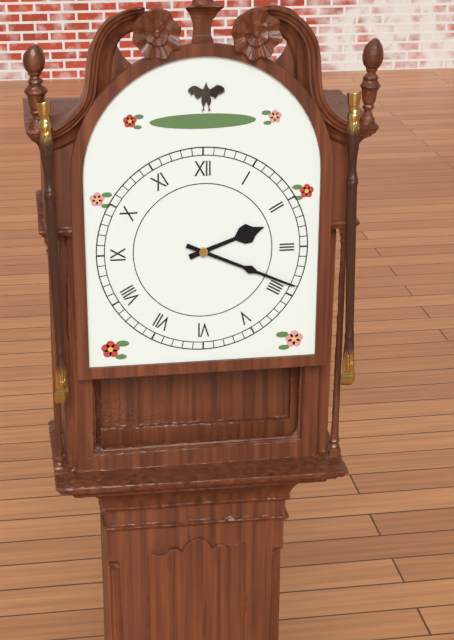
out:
2 h 19 min
